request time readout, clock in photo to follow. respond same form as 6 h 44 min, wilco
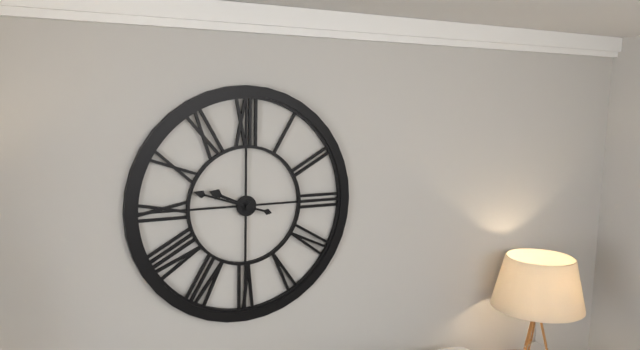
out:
9 h 48 min
